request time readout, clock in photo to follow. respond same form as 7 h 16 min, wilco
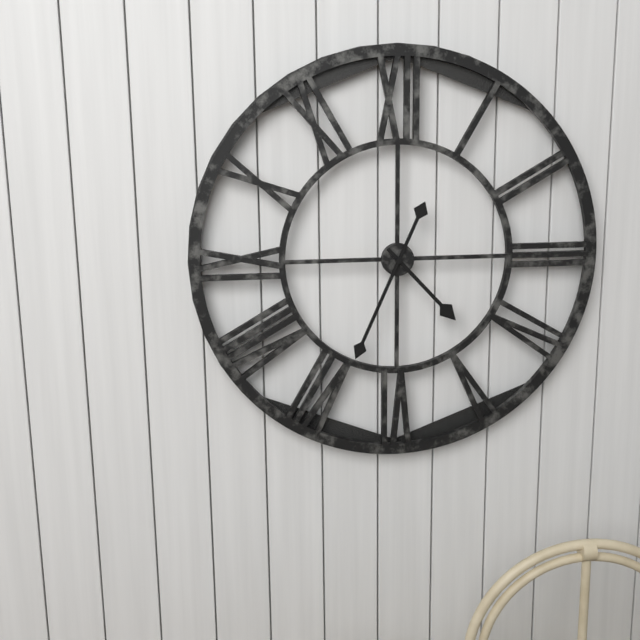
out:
4 h 34 min
